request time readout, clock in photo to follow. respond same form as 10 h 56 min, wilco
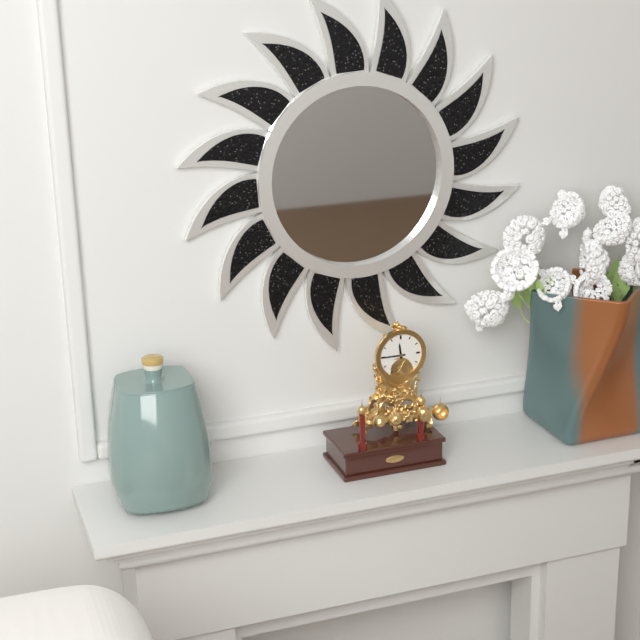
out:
11 h 45 min
